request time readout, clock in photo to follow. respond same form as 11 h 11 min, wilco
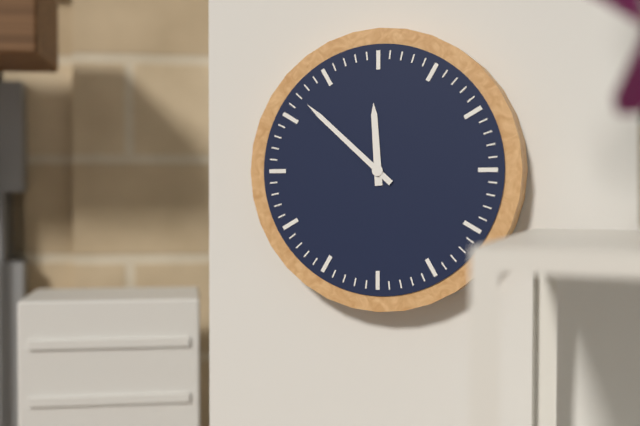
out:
11 h 52 min
